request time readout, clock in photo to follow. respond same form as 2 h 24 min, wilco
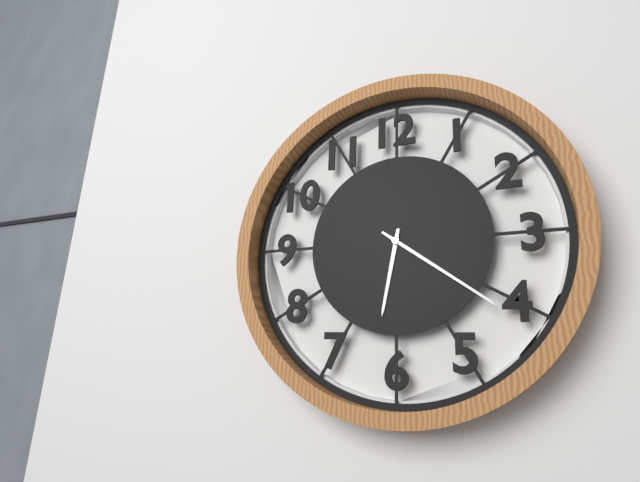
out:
6 h 21 min
